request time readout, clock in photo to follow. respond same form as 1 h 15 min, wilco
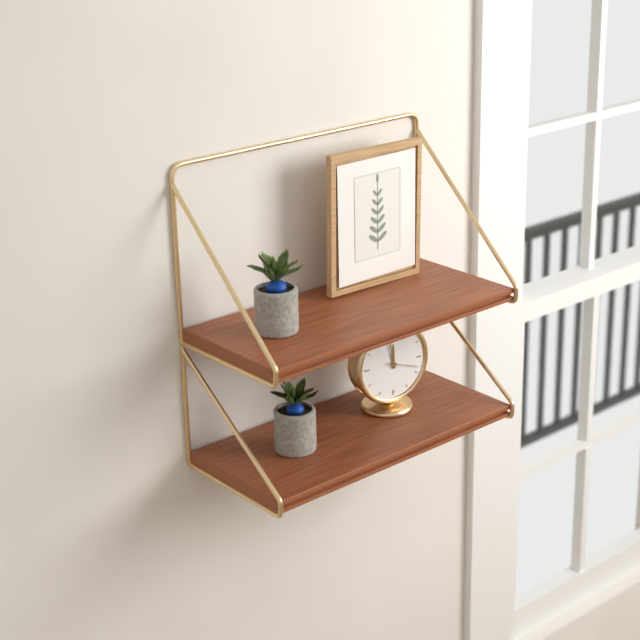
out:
11 h 58 min
